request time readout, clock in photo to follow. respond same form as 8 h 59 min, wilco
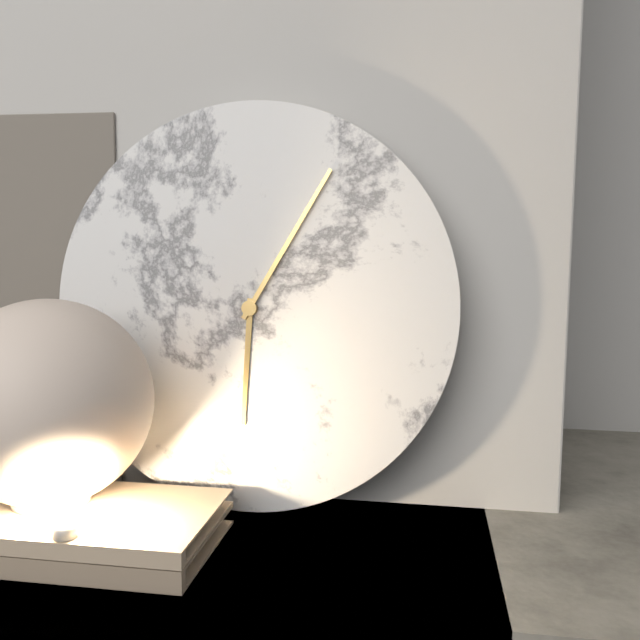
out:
6 h 05 min
